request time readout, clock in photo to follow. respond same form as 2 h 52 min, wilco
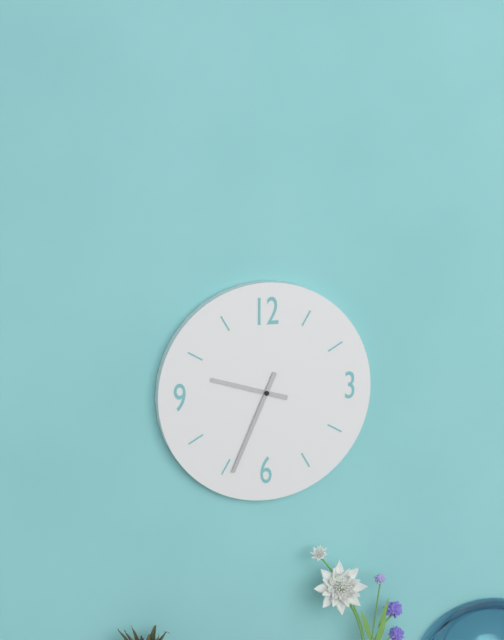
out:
9 h 34 min
